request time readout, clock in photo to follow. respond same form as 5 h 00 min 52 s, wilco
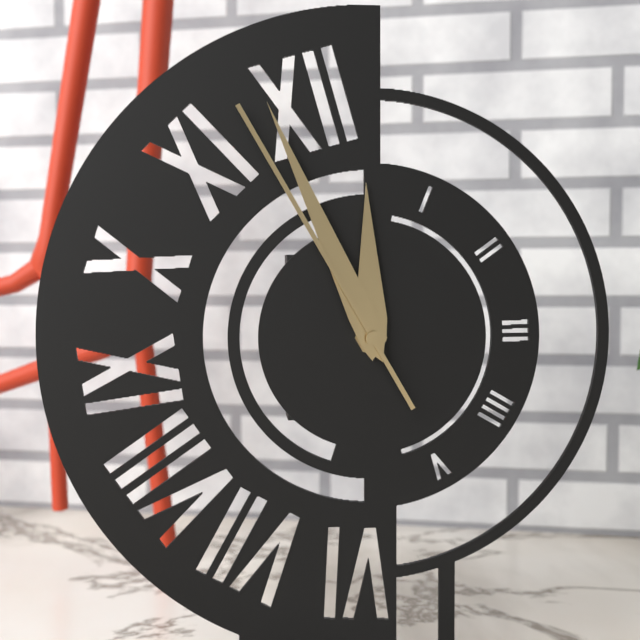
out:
11 h 56 min 55 s
